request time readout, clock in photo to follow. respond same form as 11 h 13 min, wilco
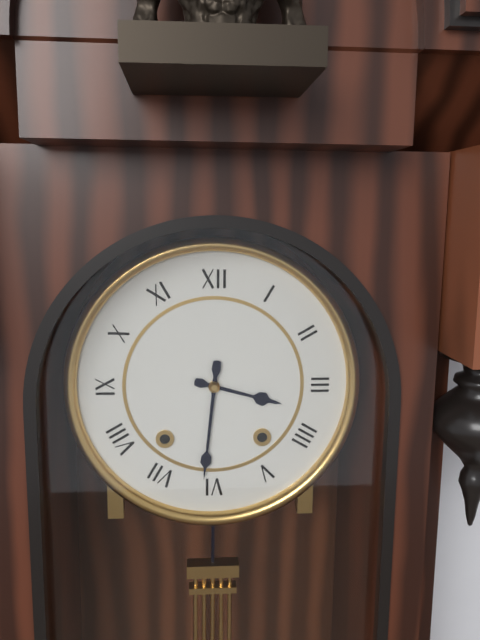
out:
3 h 31 min
